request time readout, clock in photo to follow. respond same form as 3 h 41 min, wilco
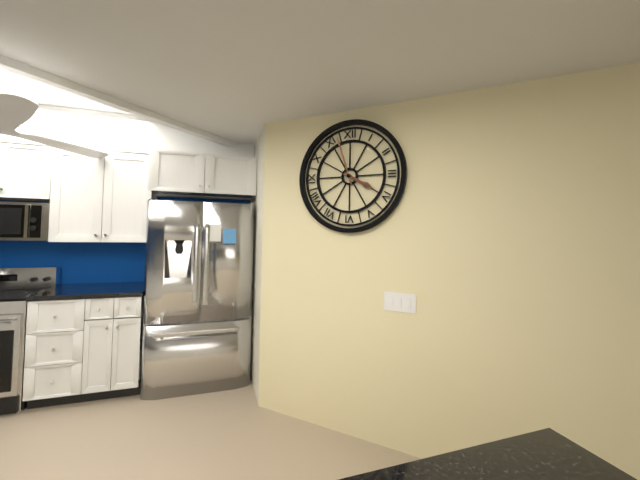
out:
3 h 57 min
